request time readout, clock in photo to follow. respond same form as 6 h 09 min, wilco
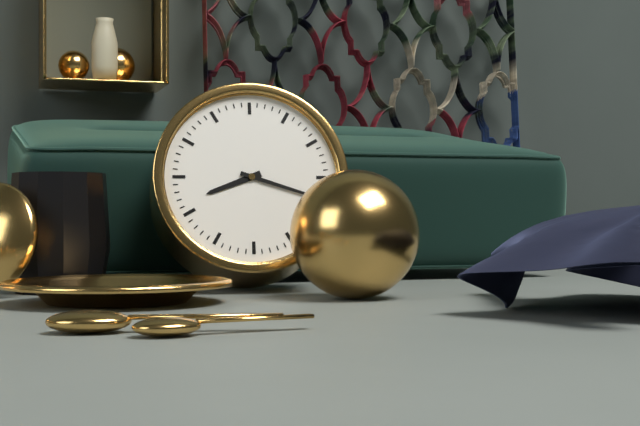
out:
8 h 18 min
